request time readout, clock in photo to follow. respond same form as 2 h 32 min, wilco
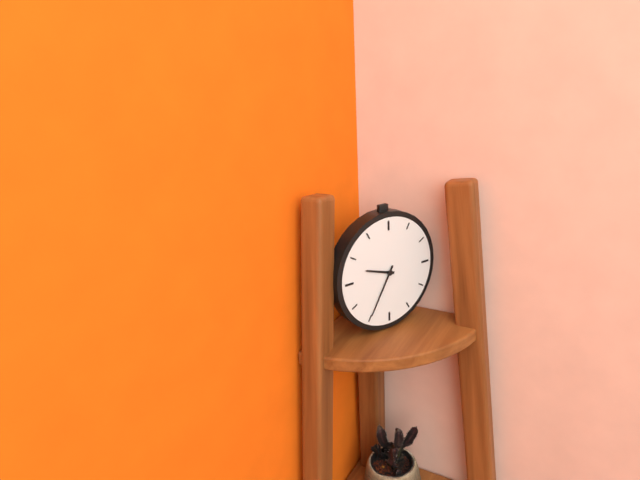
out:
9 h 35 min
